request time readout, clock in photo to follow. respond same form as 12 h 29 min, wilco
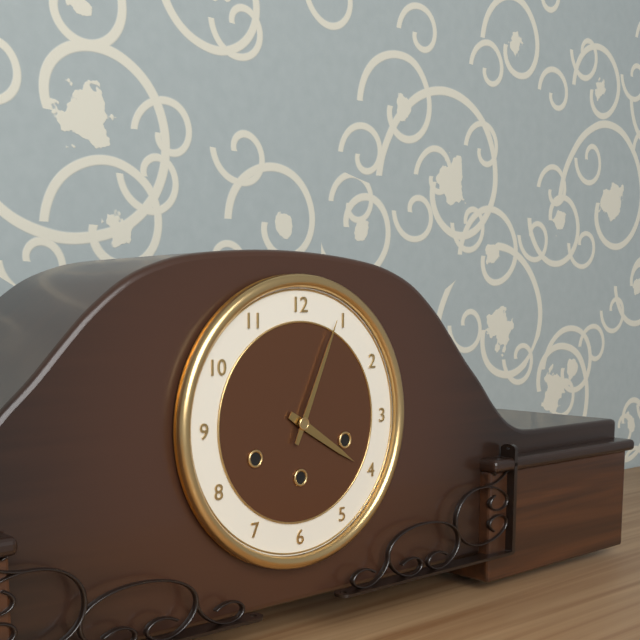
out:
4 h 04 min
